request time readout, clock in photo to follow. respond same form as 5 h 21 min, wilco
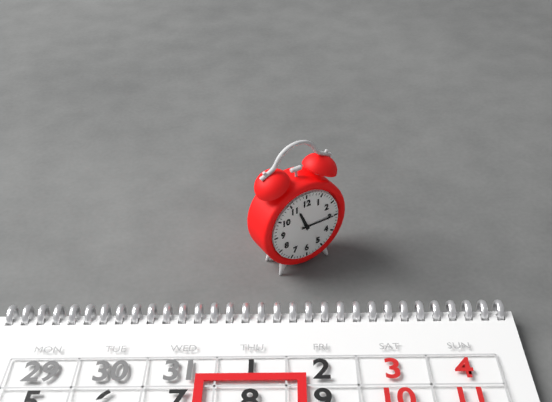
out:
11 h 15 min
